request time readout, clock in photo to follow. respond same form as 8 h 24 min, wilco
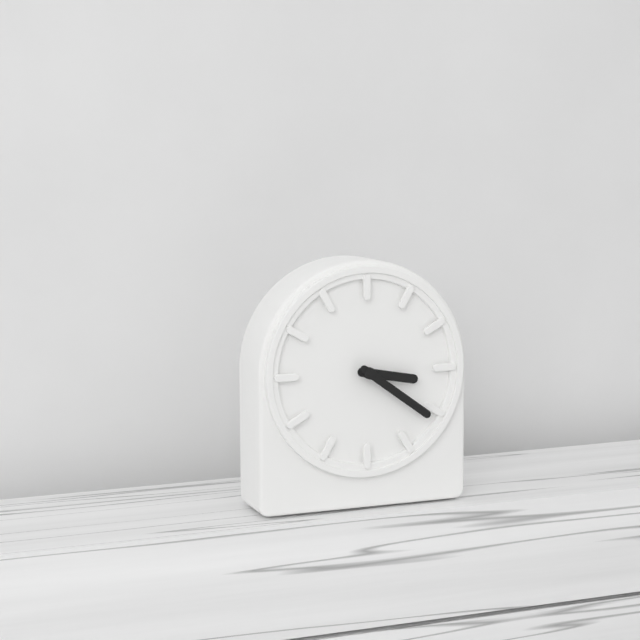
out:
3 h 21 min
